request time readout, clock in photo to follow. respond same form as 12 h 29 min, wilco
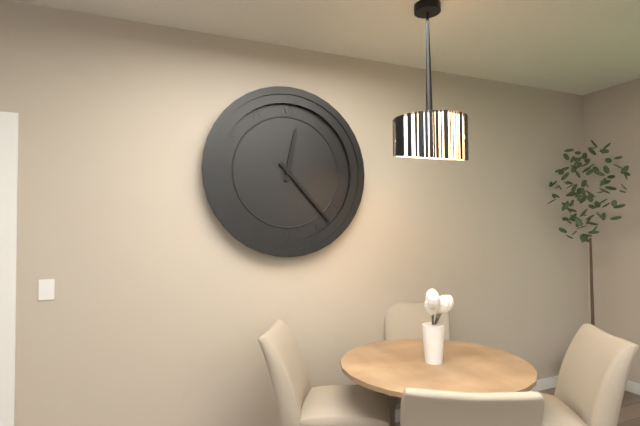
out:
12 h 23 min
